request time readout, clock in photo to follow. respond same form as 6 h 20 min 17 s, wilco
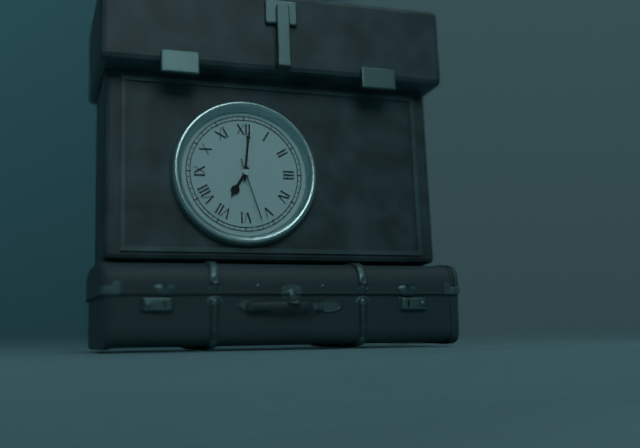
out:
7 h 01 min 27 s
